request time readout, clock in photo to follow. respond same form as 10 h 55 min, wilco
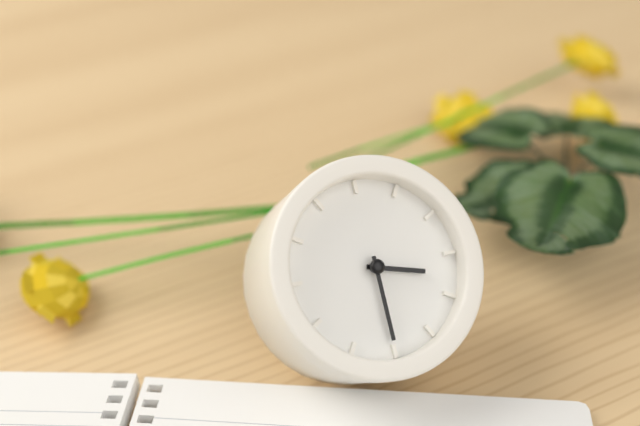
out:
3 h 30 min
